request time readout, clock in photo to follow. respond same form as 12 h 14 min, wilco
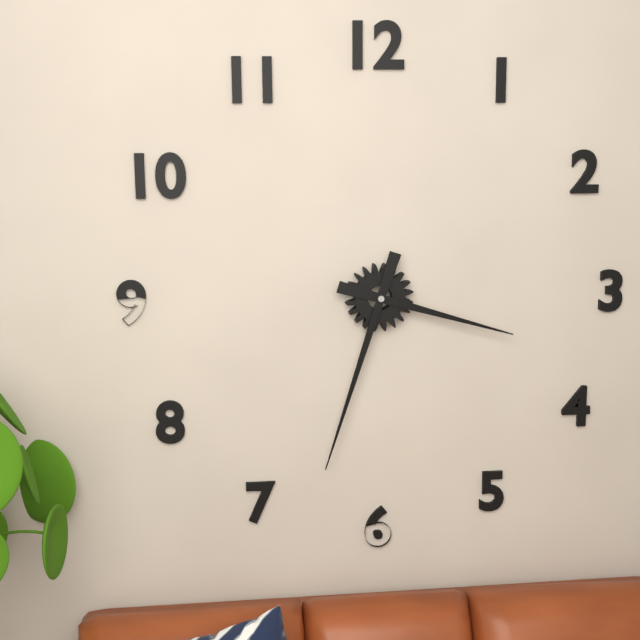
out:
3 h 33 min
